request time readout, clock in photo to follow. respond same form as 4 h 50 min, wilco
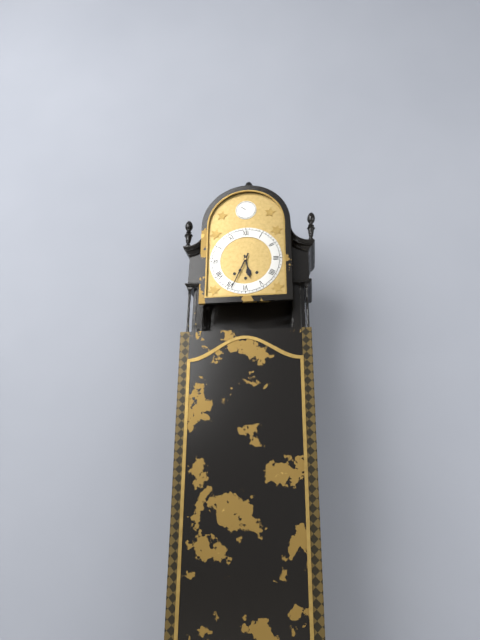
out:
5 h 34 min
